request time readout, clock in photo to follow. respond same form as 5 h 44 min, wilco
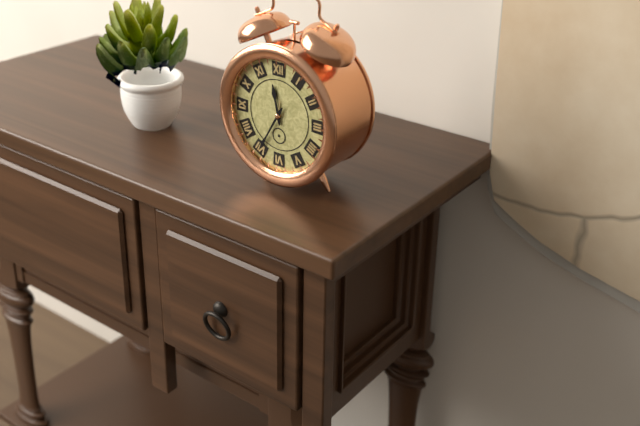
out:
11 h 35 min
